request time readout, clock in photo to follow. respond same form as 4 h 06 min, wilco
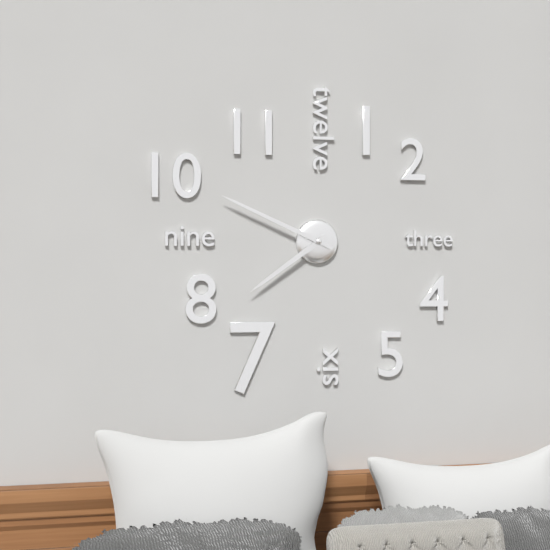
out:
7 h 49 min
